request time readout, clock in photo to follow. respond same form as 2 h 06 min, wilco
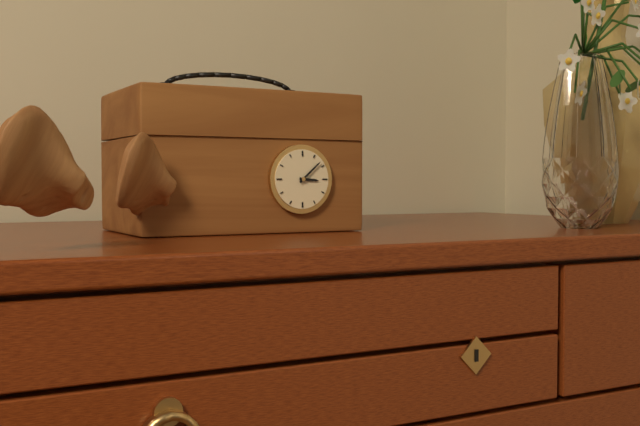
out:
3 h 08 min
